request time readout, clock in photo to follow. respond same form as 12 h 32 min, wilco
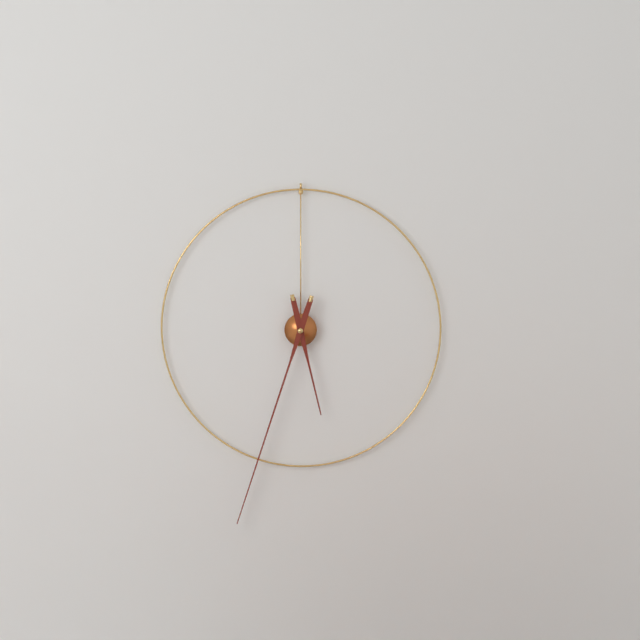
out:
5 h 33 min
